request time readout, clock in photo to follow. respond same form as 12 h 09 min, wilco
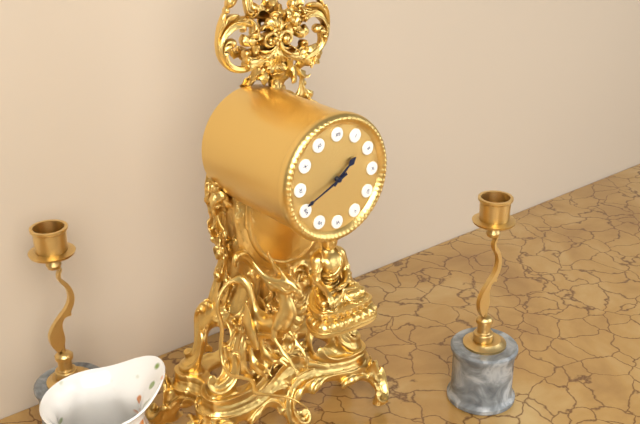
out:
1 h 41 min
